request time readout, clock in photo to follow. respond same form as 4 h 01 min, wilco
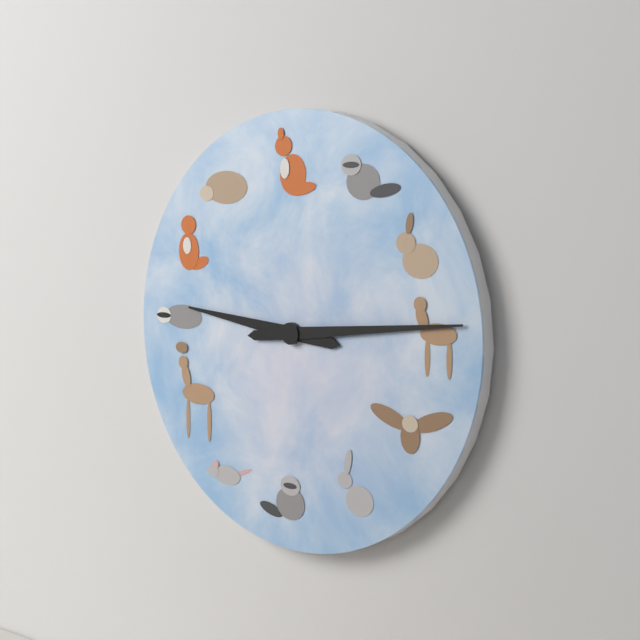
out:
9 h 14 min
